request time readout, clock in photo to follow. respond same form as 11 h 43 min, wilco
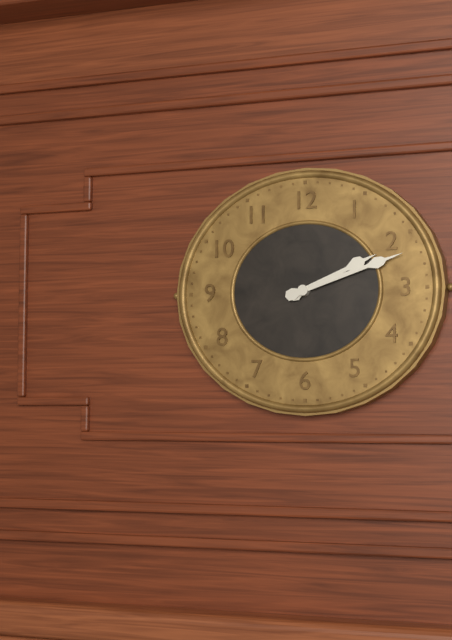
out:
2 h 12 min
